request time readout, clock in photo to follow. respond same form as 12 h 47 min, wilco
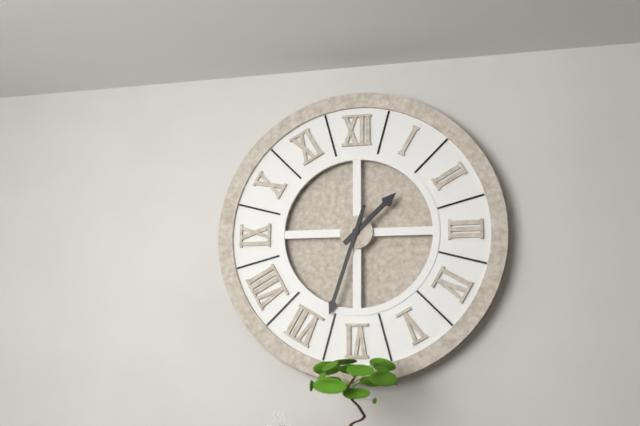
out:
1 h 33 min
